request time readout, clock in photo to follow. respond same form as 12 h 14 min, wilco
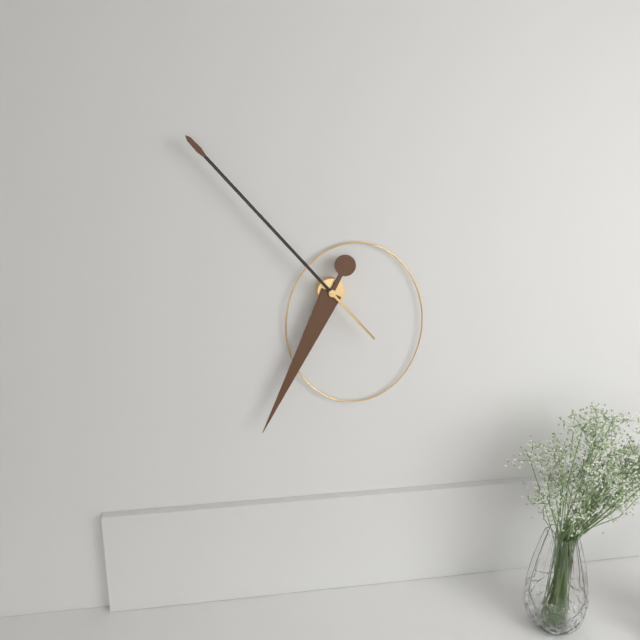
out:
6 h 53 min
